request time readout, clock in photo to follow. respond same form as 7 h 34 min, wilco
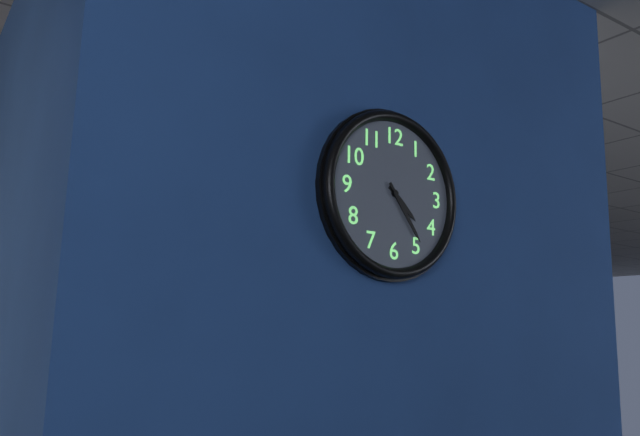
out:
4 h 24 min
